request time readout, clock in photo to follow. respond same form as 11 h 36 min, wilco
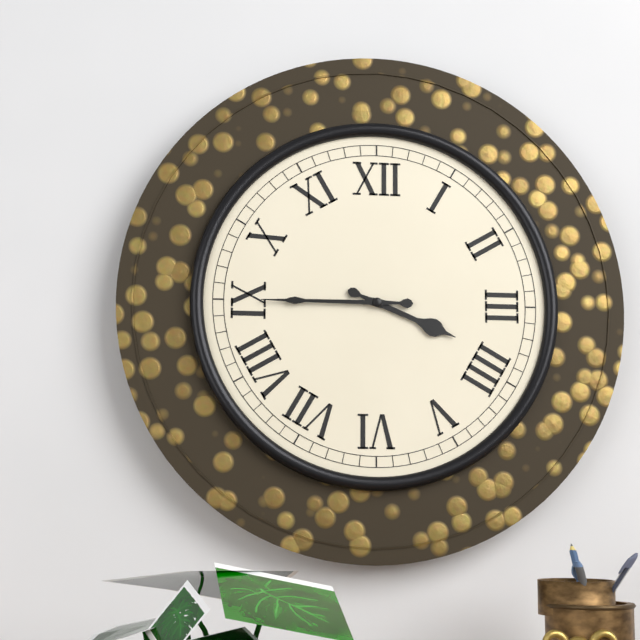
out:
3 h 45 min
